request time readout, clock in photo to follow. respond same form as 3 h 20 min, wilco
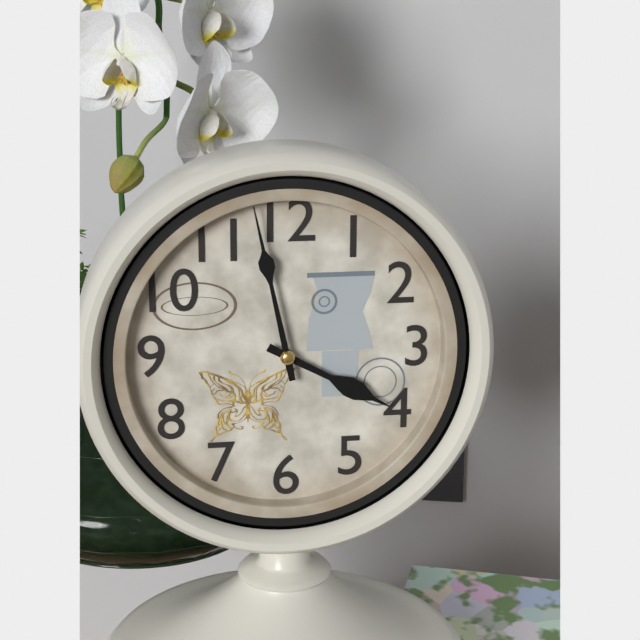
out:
3 h 58 min
